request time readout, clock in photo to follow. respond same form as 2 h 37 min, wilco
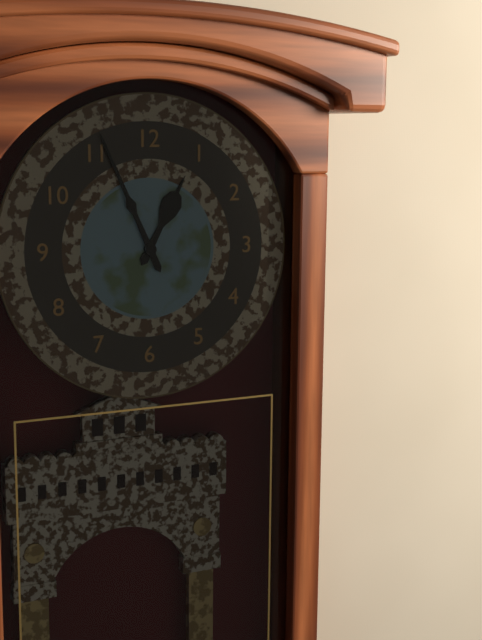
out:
12 h 56 min
